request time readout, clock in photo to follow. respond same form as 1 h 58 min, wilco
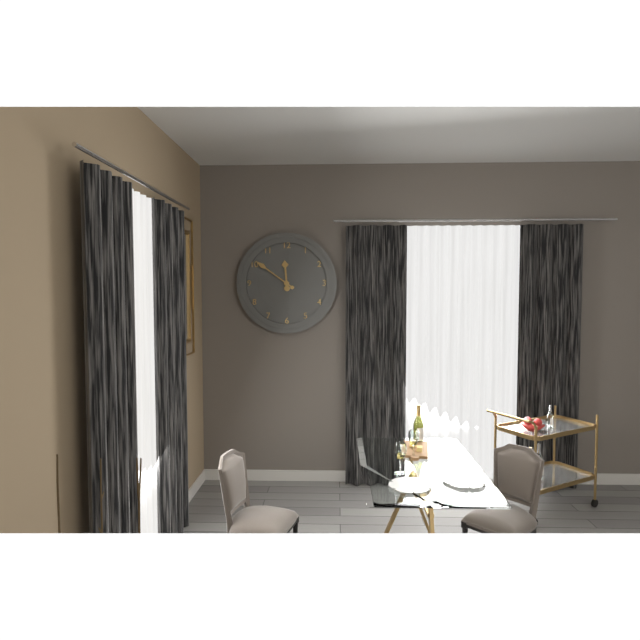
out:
11 h 51 min
